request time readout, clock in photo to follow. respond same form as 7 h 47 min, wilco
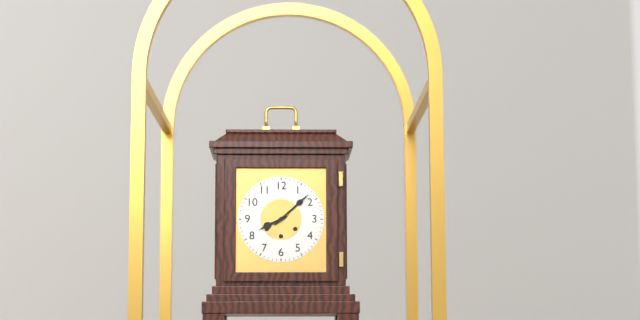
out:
8 h 08 min
